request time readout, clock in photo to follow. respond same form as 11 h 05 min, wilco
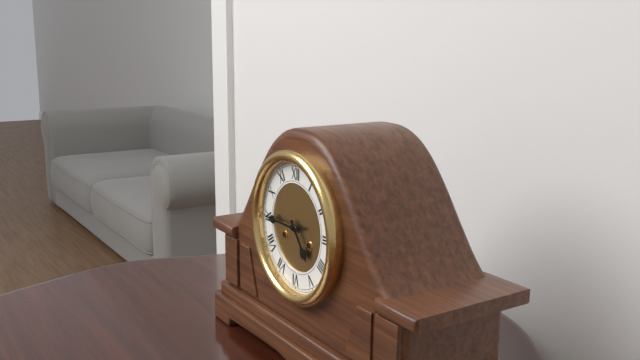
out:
4 h 45 min
